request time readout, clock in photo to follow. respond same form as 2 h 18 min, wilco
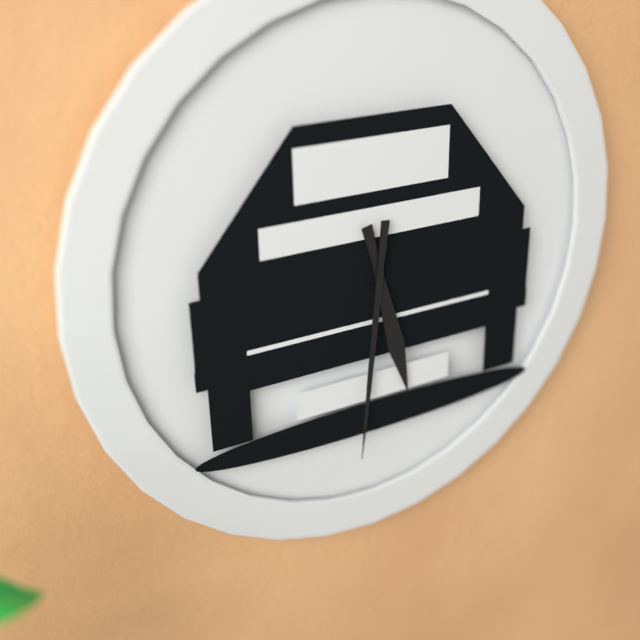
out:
5 h 31 min
